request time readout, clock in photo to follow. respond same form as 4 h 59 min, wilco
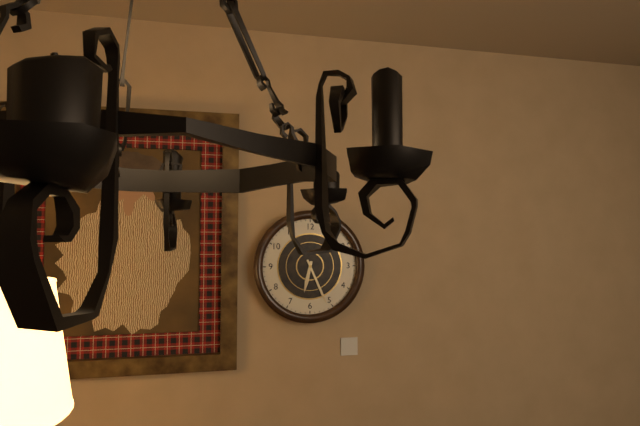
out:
6 h 26 min
